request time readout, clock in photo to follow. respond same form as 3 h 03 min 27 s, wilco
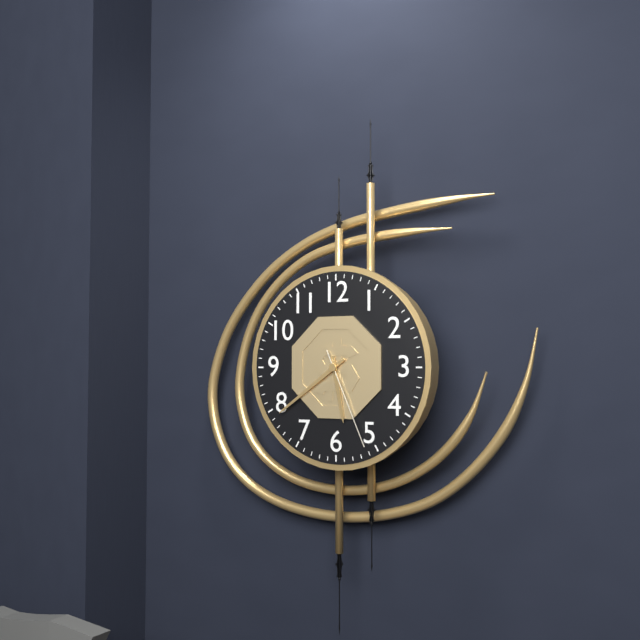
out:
5 h 39 min 26 s
